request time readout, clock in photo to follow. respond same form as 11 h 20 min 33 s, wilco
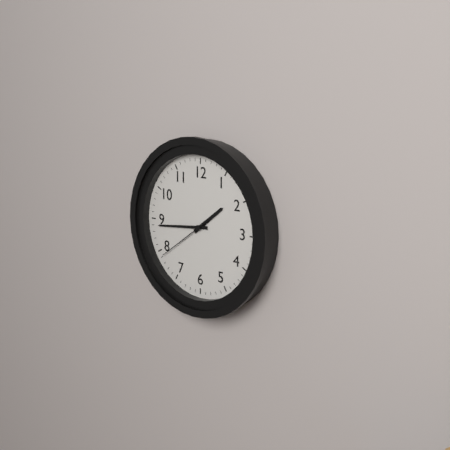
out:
1 h 44 min 39 s
